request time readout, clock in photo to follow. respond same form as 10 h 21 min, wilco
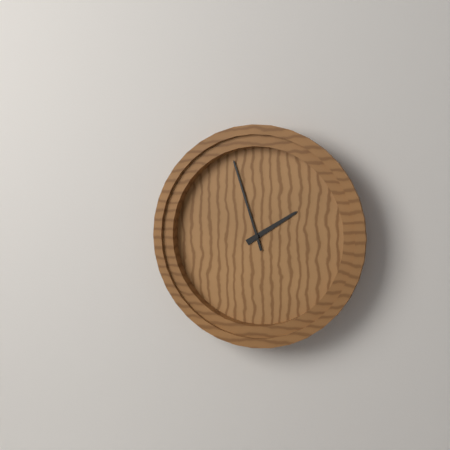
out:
1 h 57 min
